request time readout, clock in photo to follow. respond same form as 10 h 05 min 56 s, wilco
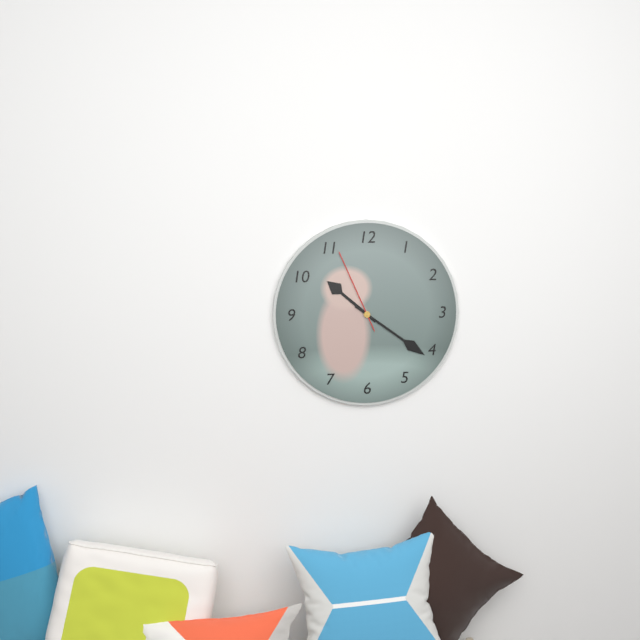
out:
10 h 21 min 56 s
